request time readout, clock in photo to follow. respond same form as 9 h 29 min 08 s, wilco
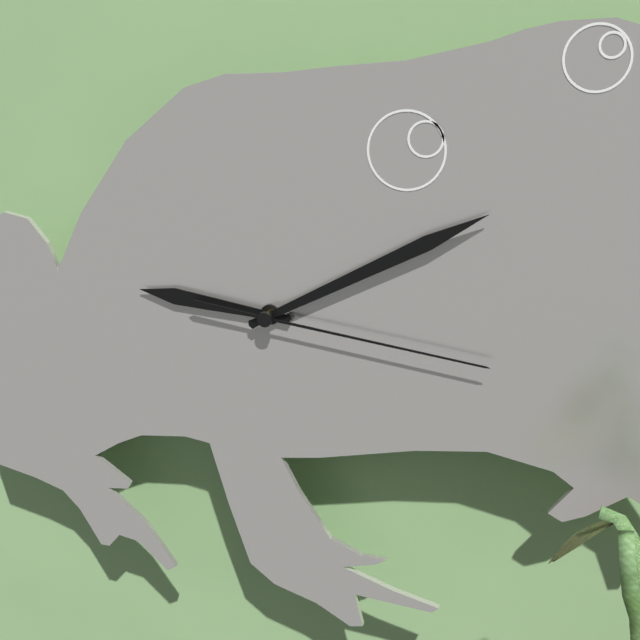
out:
9 h 10 min 16 s
